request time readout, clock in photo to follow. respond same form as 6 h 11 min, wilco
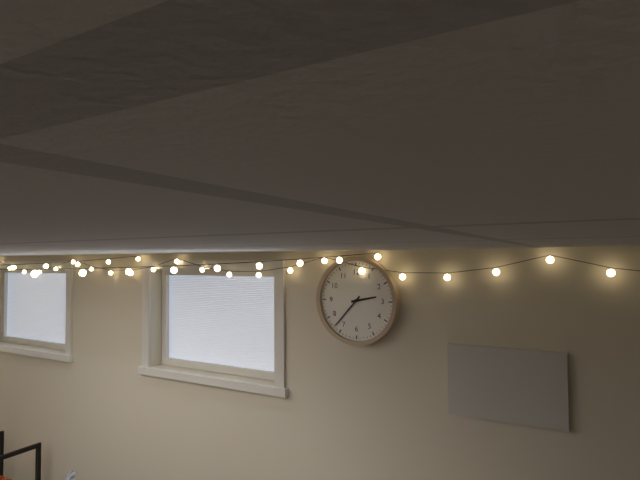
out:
2 h 37 min
